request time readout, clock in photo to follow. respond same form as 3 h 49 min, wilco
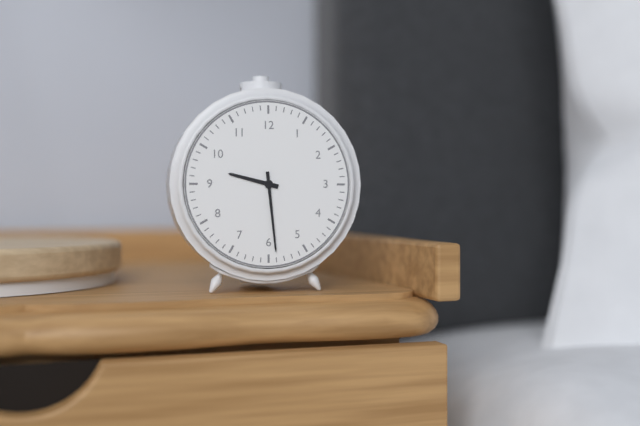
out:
9 h 29 min
